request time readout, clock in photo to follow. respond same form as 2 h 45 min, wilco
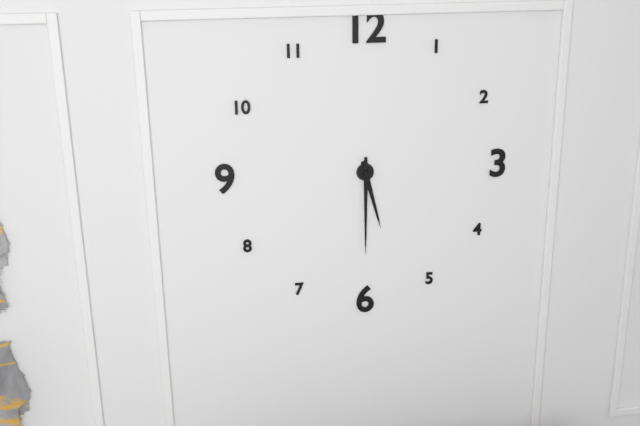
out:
5 h 30 min
